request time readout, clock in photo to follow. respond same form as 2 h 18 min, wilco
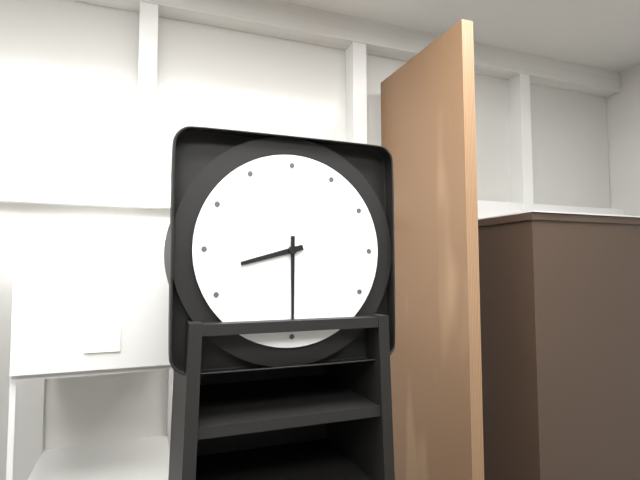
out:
8 h 30 min
